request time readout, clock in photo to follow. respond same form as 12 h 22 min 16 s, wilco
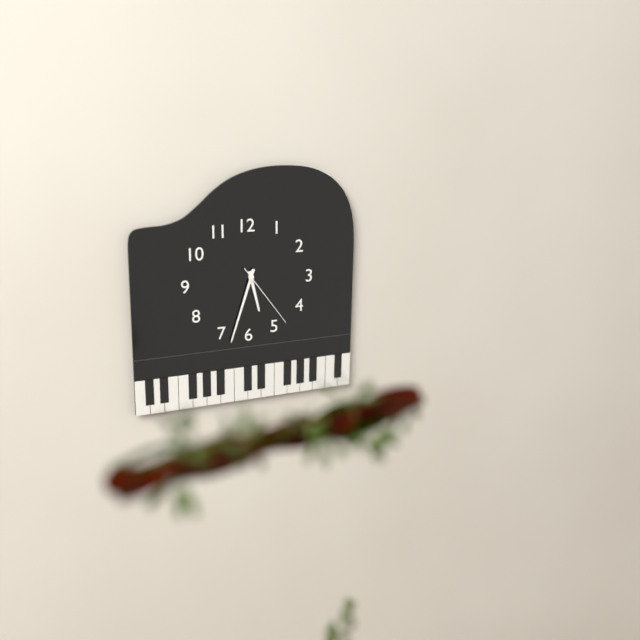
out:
5 h 33 min 24 s
